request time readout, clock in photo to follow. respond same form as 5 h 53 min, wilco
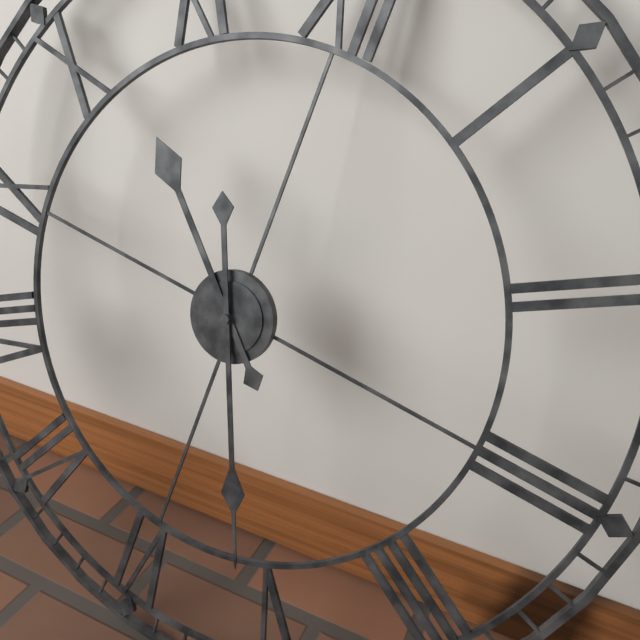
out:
10 h 26 min
